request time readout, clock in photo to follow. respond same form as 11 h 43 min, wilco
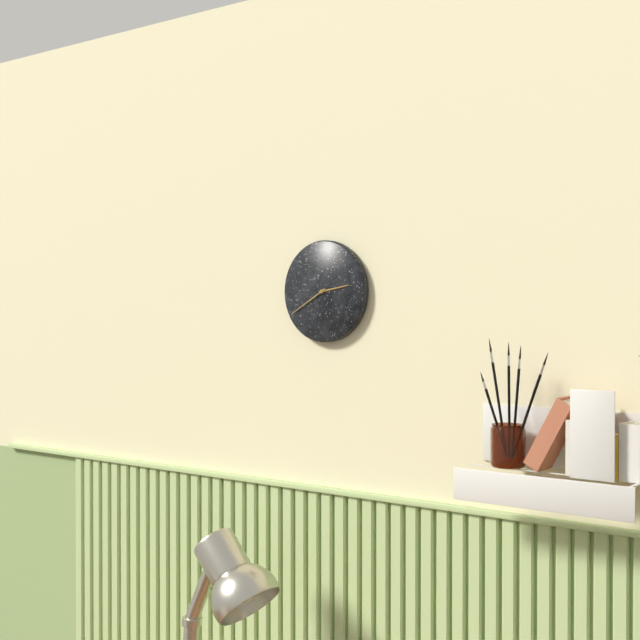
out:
2 h 40 min
